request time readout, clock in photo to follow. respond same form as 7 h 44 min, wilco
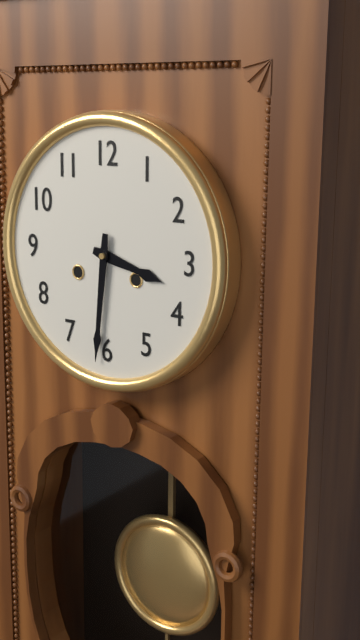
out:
3 h 31 min
